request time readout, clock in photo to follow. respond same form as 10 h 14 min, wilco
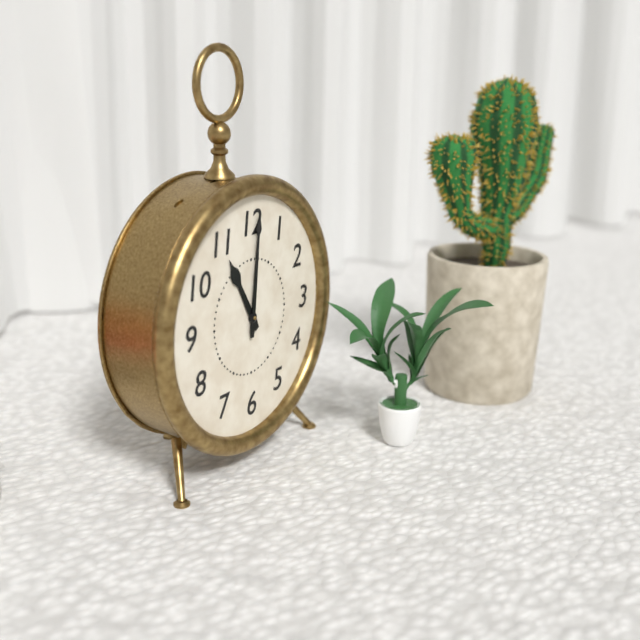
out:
11 h 01 min
